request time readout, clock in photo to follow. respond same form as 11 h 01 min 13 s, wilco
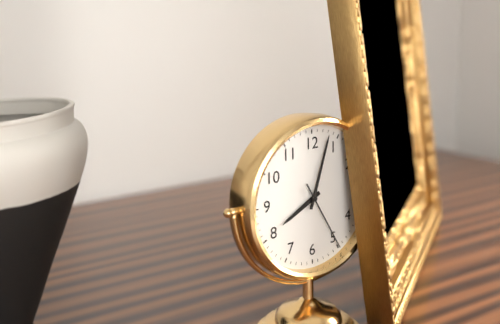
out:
8 h 03 min 25 s
